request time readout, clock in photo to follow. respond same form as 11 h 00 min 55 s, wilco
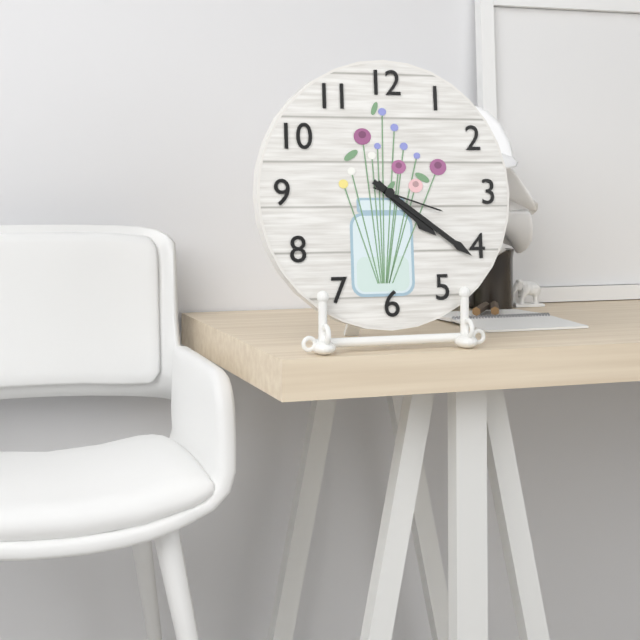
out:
4 h 21 min 18 s
